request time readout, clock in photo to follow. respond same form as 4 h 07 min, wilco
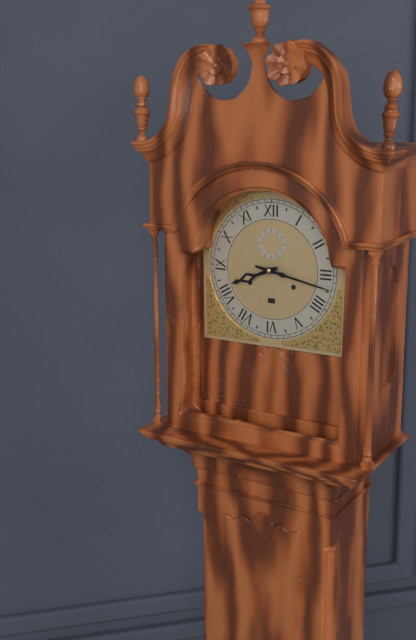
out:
8 h 17 min
